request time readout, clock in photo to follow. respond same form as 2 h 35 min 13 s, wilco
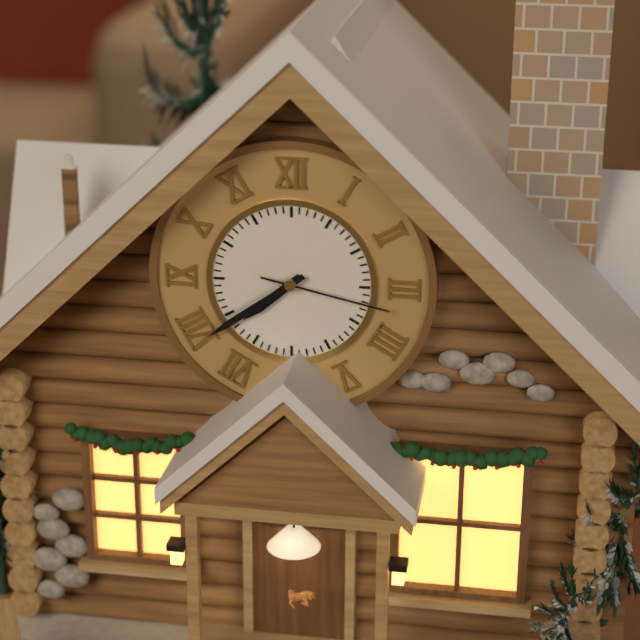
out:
7 h 39 min 17 s
